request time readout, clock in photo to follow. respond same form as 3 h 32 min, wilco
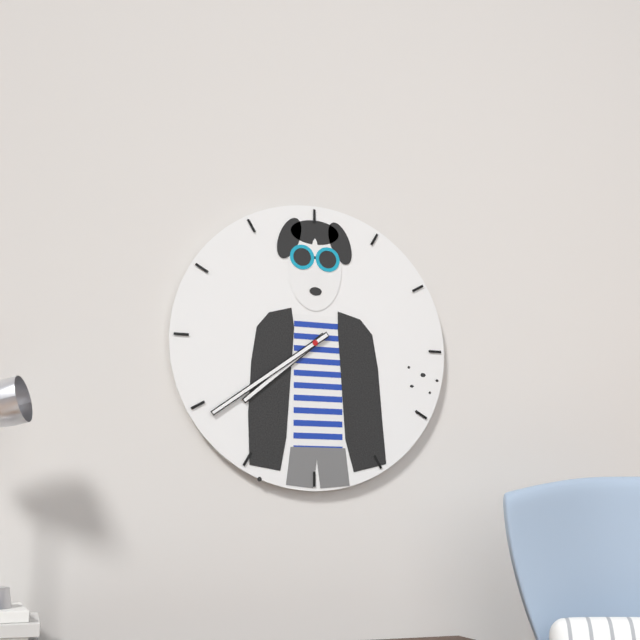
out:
7 h 39 min
